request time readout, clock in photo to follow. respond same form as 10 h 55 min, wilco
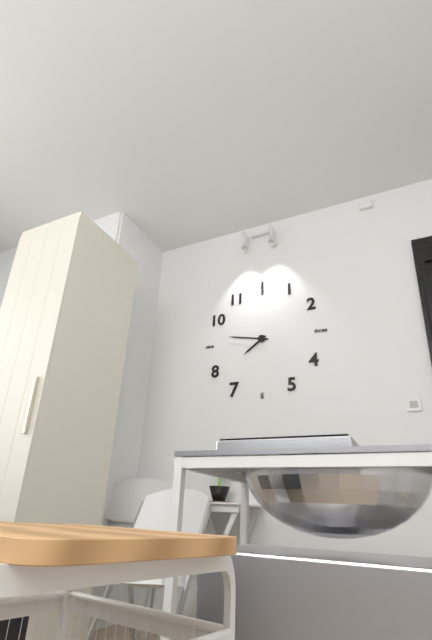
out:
7 h 47 min
